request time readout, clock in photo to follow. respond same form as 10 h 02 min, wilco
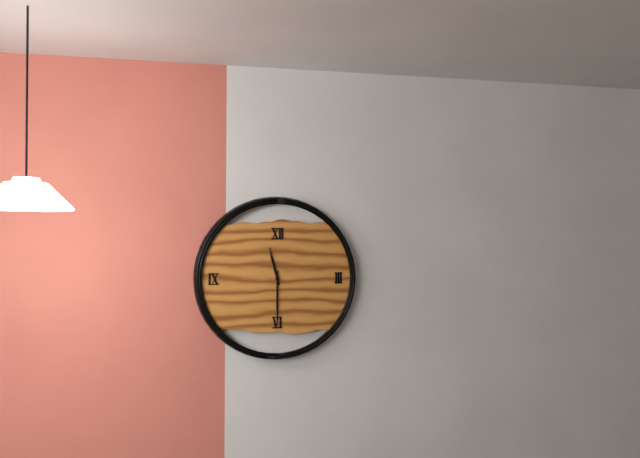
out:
11 h 30 min
